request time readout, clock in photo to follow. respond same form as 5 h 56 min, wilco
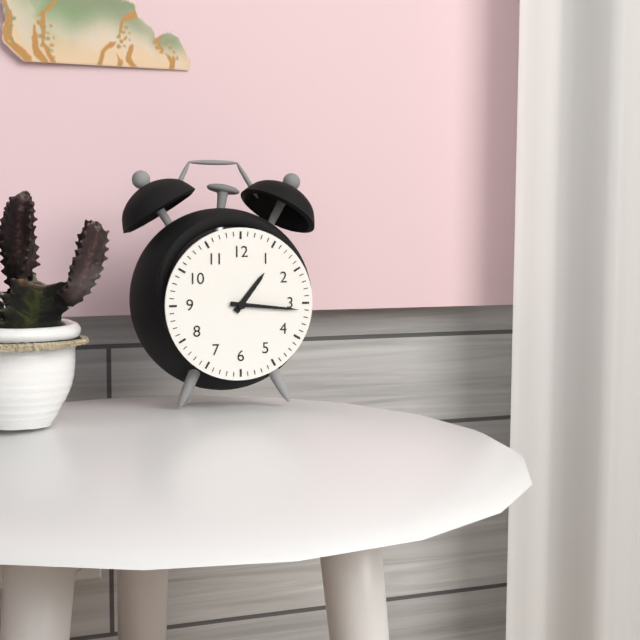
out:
1 h 16 min
